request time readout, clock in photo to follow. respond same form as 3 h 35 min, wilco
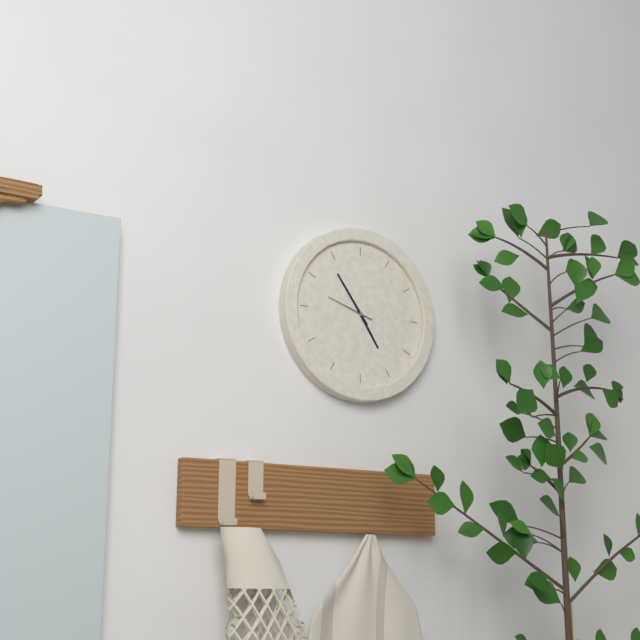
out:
4 h 54 min
